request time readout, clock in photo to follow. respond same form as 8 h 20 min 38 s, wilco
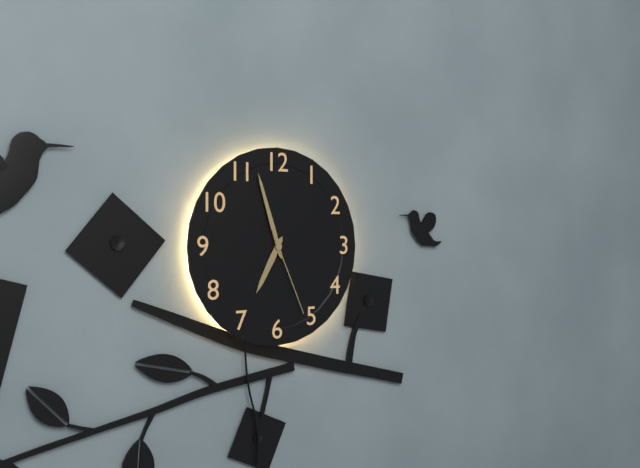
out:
6 h 57 min 26 s
